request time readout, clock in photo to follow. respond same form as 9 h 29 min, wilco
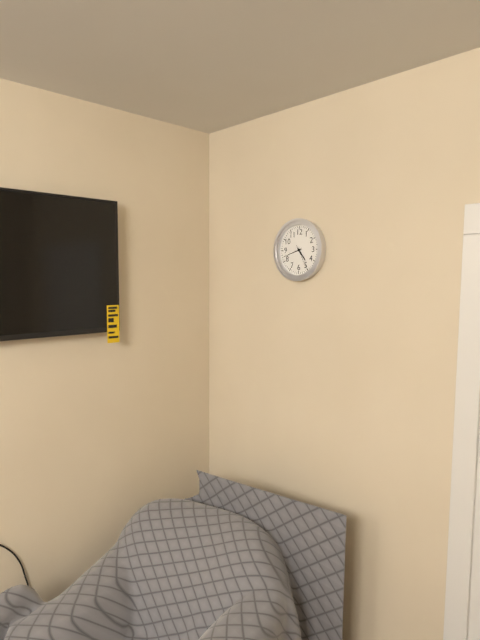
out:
4 h 42 min
